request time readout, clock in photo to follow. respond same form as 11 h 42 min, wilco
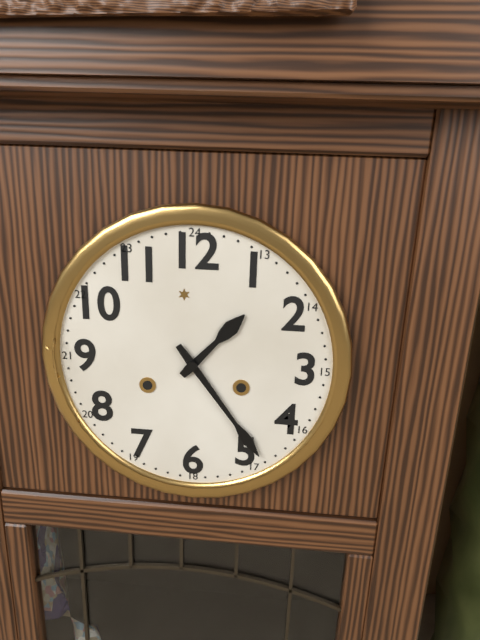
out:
1 h 24 min
